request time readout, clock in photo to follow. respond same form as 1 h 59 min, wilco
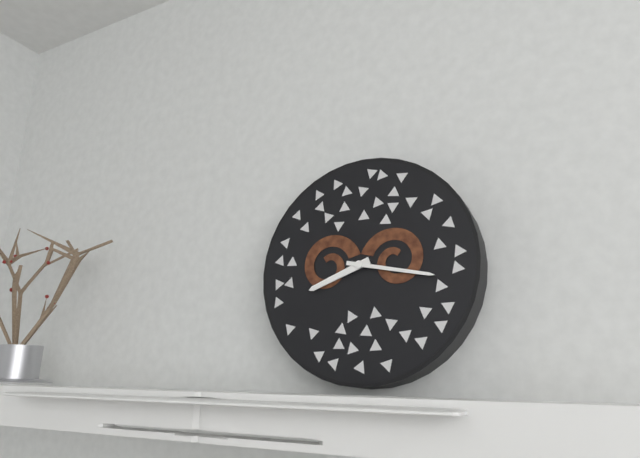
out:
8 h 17 min
